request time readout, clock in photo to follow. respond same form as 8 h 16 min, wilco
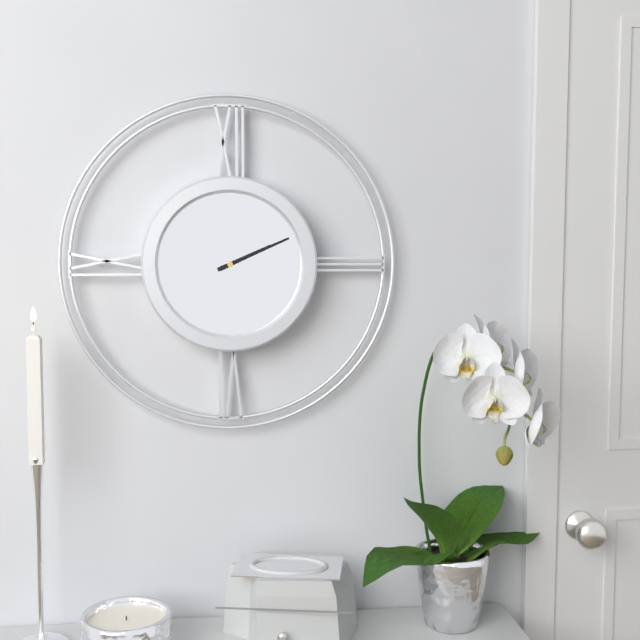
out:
2 h 11 min
